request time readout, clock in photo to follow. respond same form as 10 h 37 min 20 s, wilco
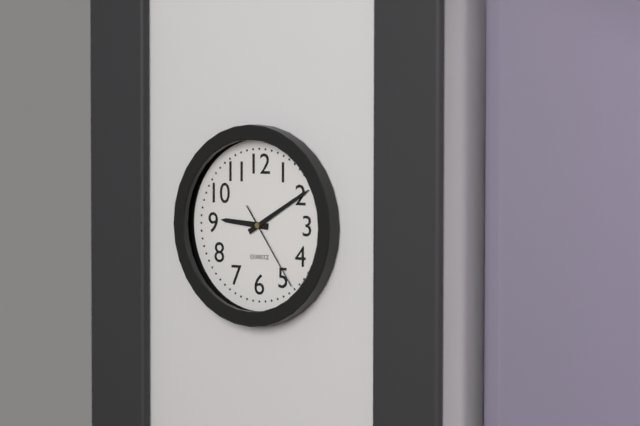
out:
9 h 10 min 24 s
